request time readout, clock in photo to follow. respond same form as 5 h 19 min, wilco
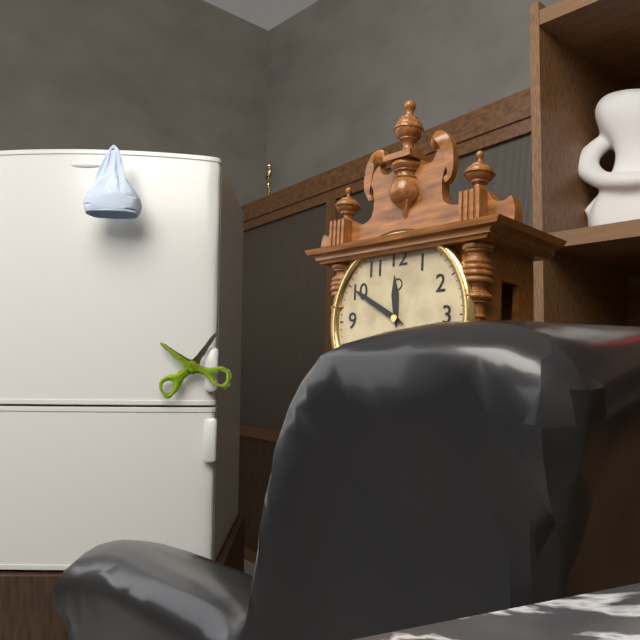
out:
11 h 50 min
